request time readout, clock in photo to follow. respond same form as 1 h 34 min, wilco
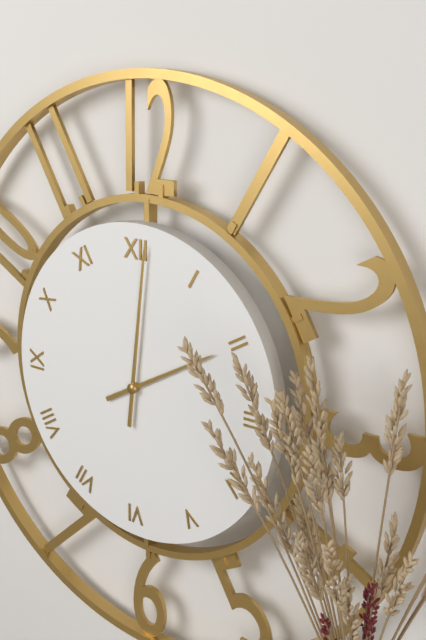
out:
2 h 01 min
